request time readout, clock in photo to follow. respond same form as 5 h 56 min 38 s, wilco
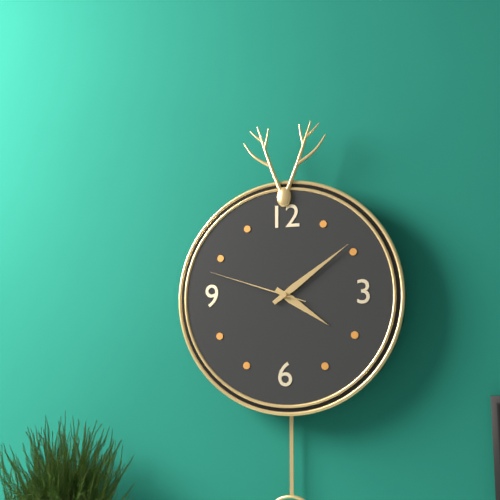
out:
4 h 09 min 48 s
